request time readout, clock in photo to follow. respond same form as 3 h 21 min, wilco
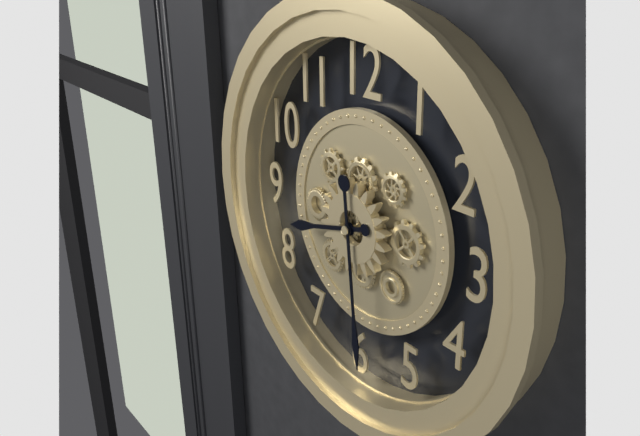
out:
8 h 29 min
